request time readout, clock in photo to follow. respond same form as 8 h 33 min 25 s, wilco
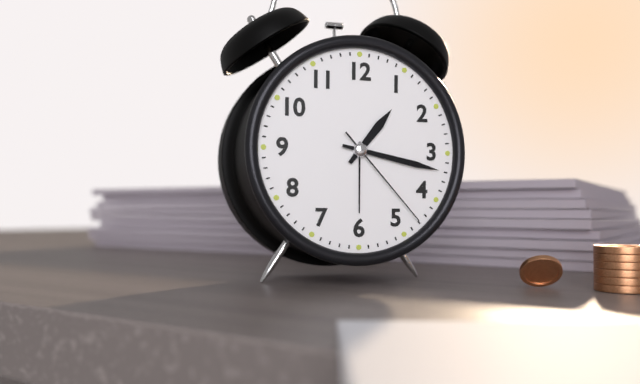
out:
1 h 17 min 23 s
